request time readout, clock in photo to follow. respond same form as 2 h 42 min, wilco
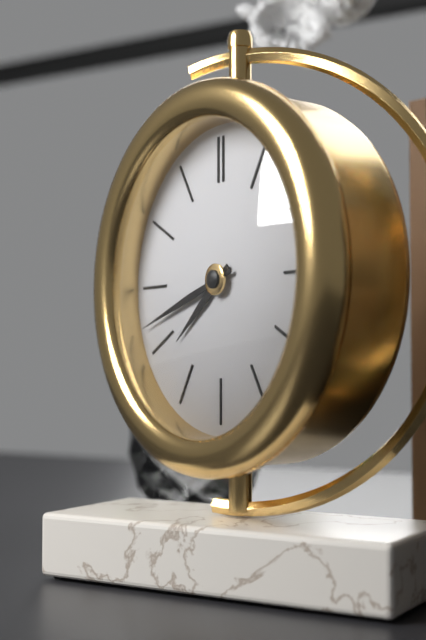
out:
7 h 42 min
